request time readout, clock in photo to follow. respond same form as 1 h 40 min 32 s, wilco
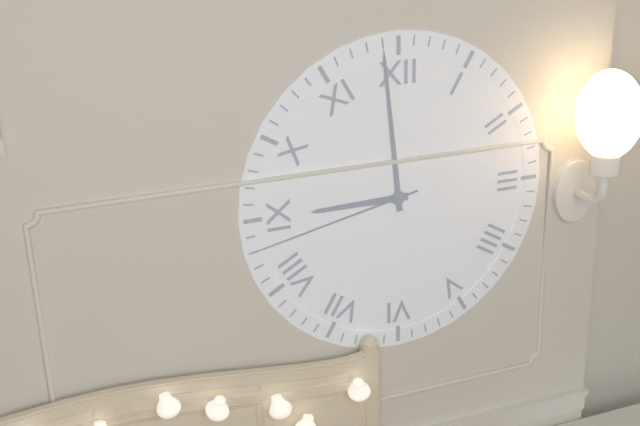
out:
8 h 59 min 43 s
